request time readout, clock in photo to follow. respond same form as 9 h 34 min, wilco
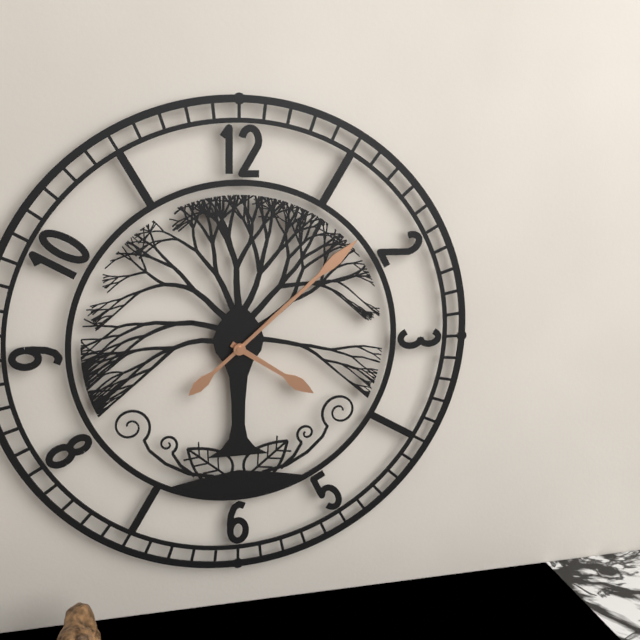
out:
4 h 08 min
